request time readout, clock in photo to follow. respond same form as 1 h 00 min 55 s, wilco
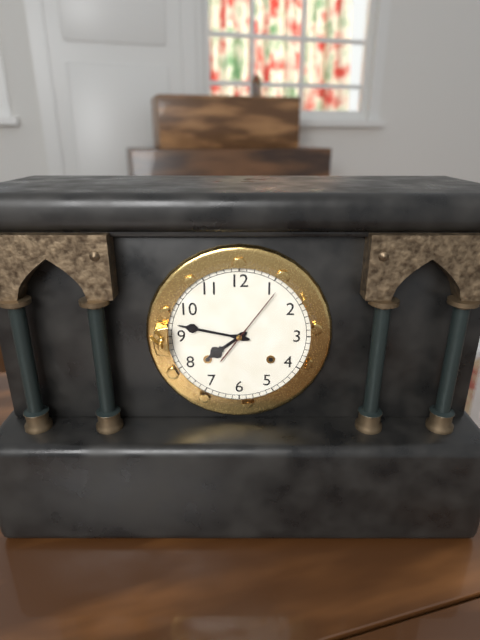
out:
7 h 47 min 06 s
